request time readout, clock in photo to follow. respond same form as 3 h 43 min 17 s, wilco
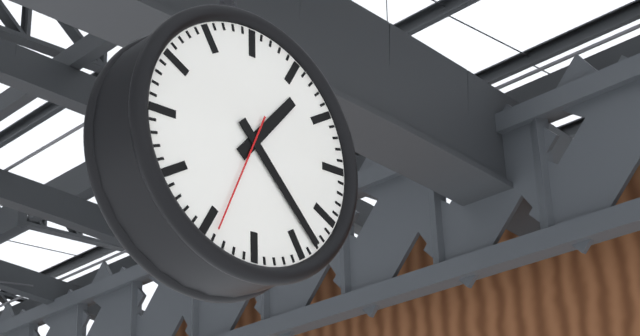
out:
1 h 23 min 34 s
